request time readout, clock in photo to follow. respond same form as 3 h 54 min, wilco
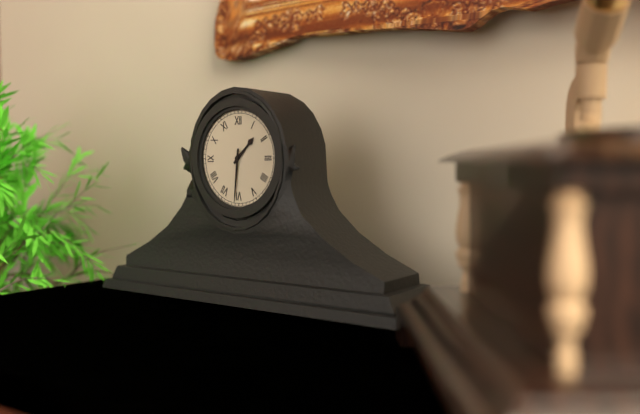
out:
1 h 31 min
